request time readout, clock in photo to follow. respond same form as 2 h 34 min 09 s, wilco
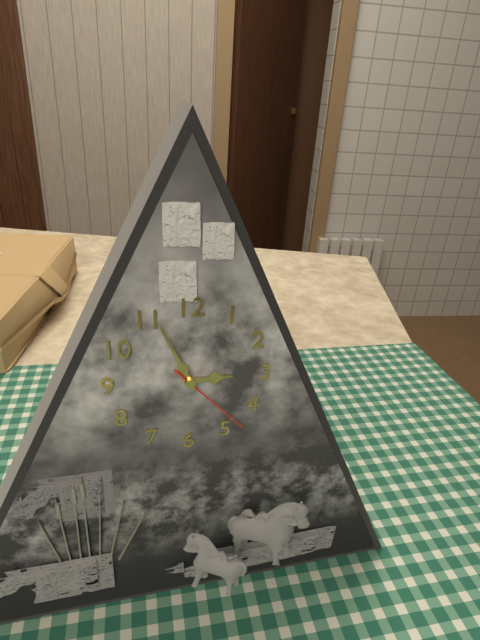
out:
2 h 56 min 23 s
